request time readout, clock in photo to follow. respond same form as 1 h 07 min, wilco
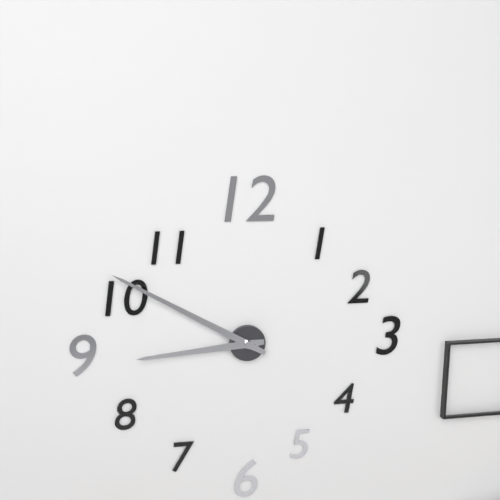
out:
8 h 50 min
